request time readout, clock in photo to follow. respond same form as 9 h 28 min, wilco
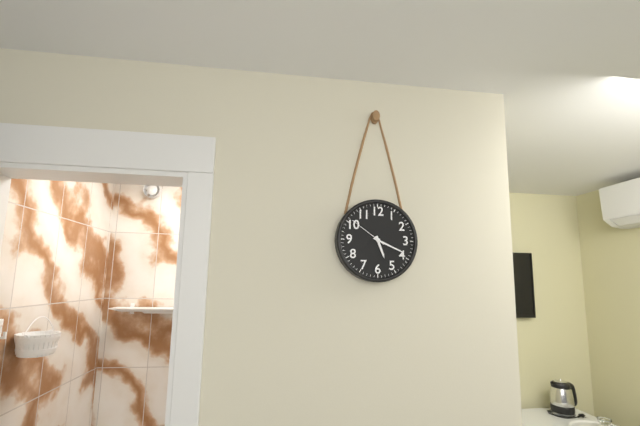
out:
5 h 19 min
